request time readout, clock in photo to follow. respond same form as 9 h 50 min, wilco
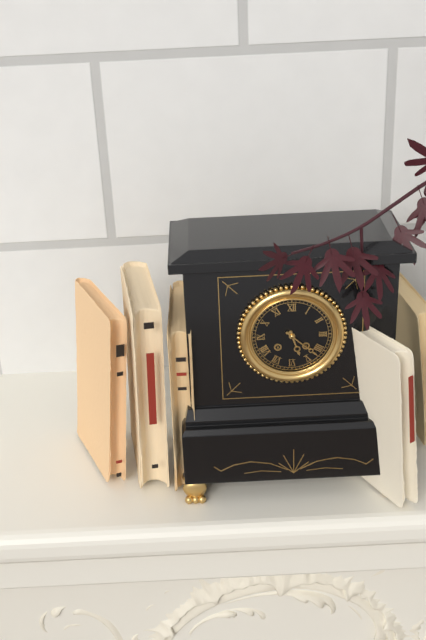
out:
5 h 22 min
